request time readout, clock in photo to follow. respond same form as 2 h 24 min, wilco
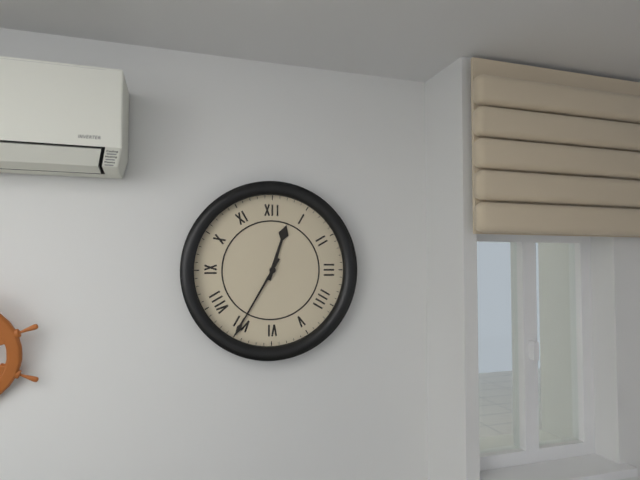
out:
12 h 35 min
